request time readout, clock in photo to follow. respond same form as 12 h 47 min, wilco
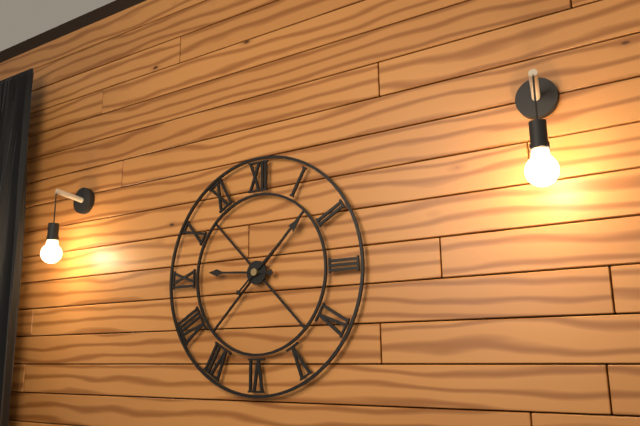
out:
9 h 08 min
